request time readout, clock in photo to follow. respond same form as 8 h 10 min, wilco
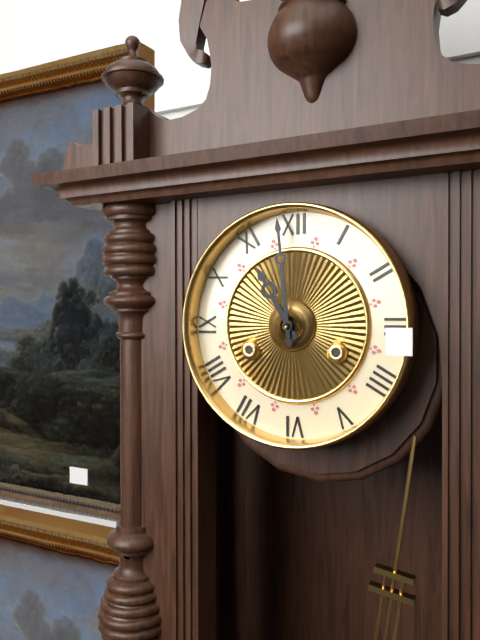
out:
10 h 59 min
